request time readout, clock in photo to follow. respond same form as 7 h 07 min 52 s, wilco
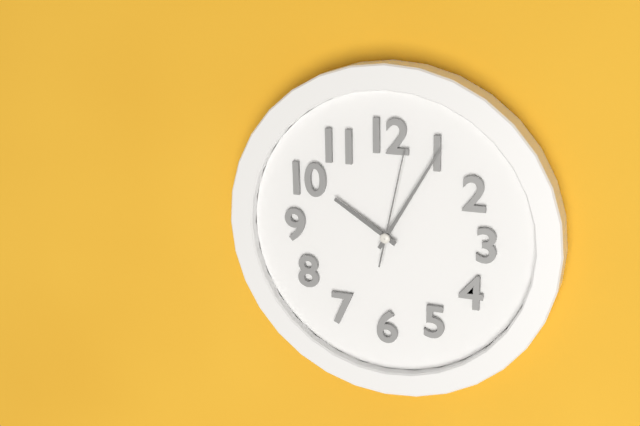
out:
10 h 05 min 02 s
